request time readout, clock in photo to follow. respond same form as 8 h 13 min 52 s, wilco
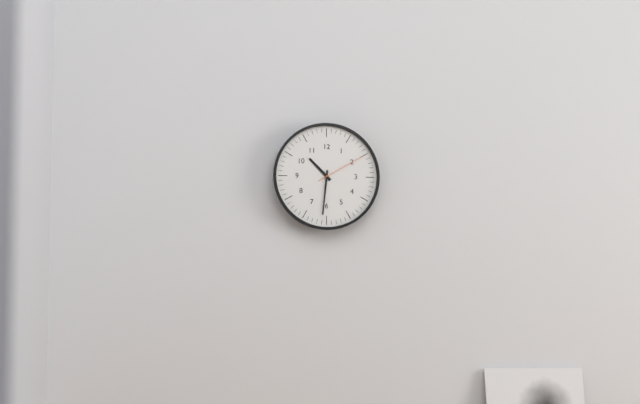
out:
10 h 31 min 10 s
